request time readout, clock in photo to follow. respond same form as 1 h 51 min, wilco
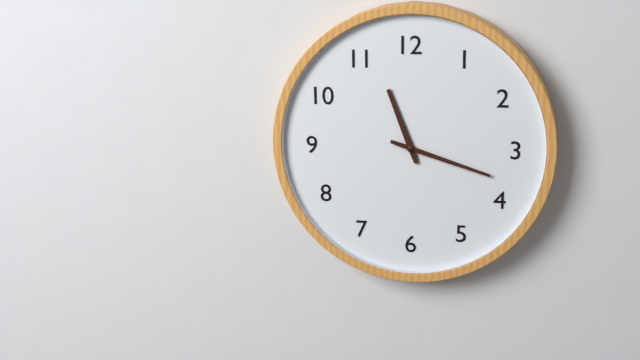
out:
11 h 18 min
